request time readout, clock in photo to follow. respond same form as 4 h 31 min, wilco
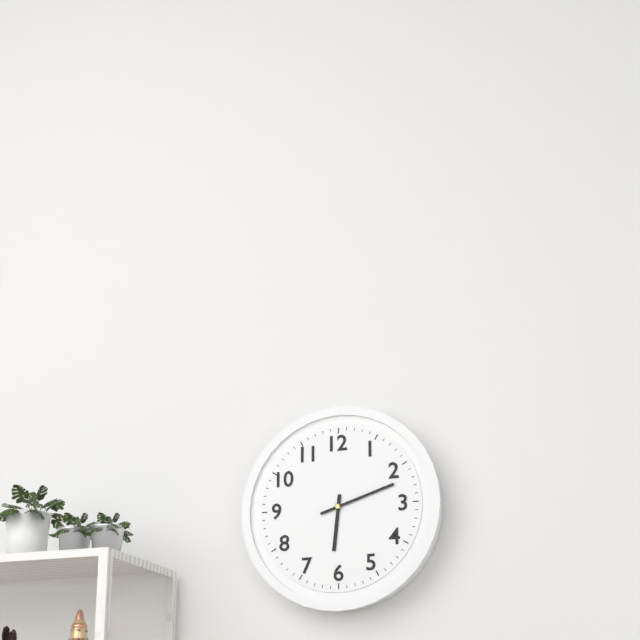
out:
6 h 12 min
